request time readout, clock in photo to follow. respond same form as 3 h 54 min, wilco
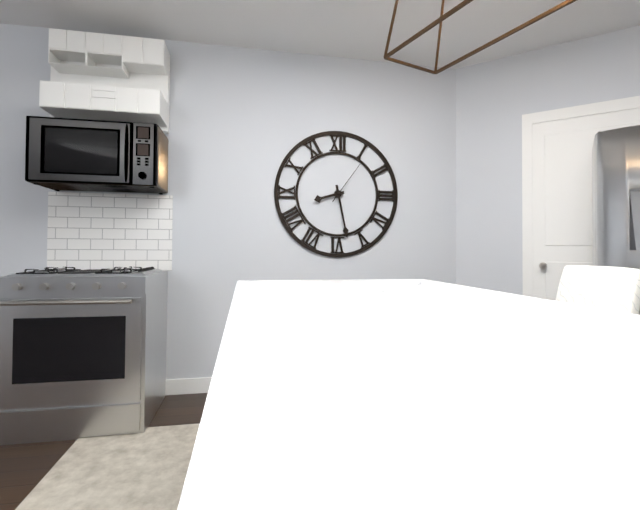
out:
8 h 28 min
